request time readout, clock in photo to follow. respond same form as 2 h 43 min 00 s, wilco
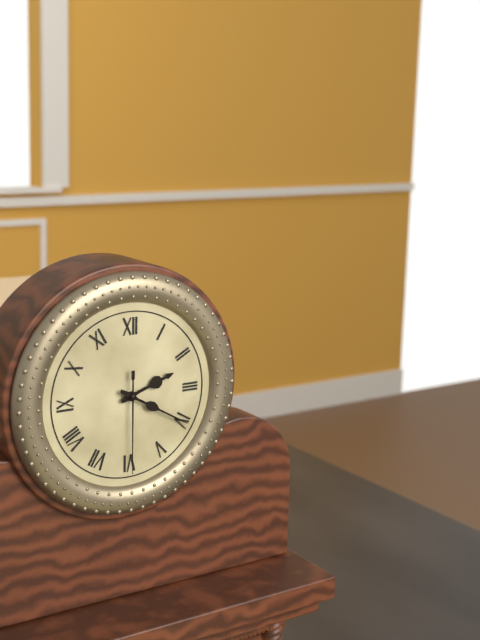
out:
2 h 20 min 30 s
